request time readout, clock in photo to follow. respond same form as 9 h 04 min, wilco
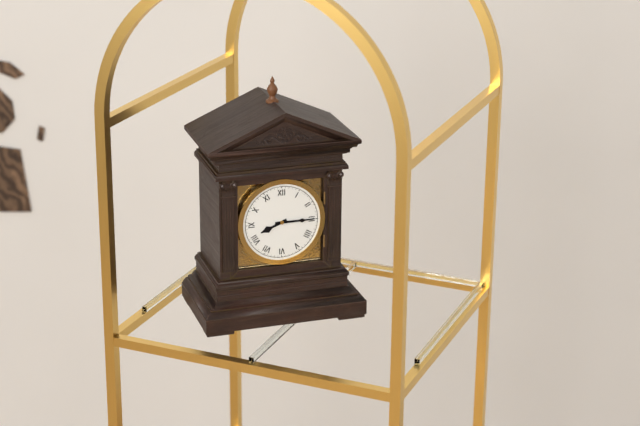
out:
8 h 15 min
